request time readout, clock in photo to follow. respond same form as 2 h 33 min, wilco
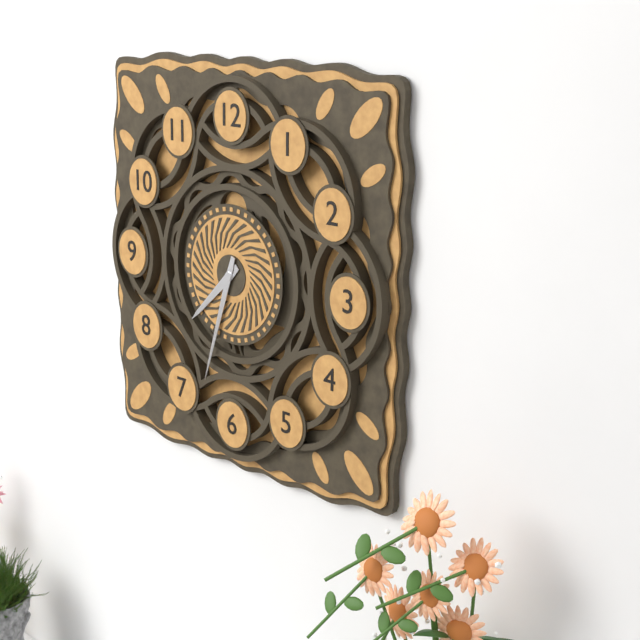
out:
7 h 33 min
